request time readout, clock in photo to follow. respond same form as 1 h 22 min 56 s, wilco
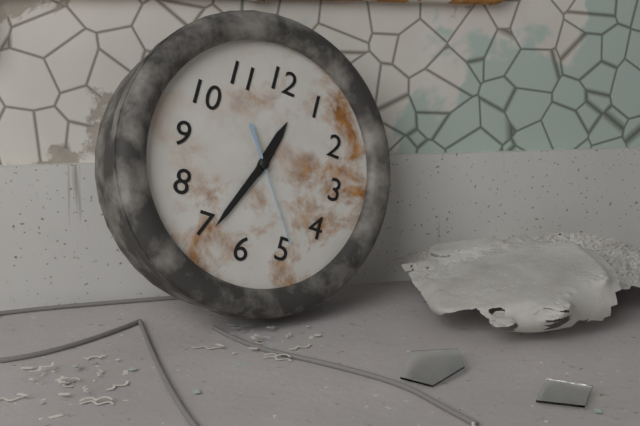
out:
12 h 34 min 24 s
